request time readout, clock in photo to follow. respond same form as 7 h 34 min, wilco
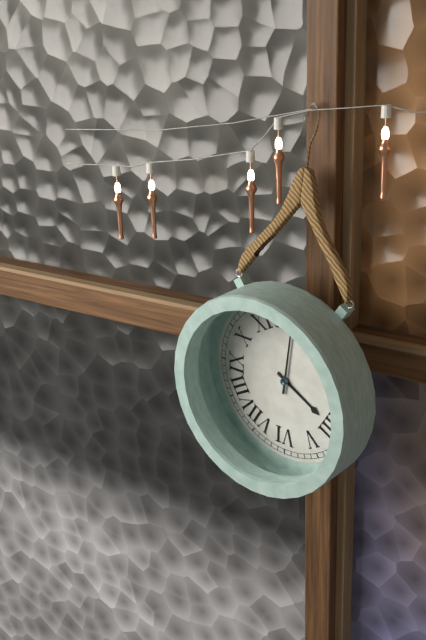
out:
4 h 01 min
